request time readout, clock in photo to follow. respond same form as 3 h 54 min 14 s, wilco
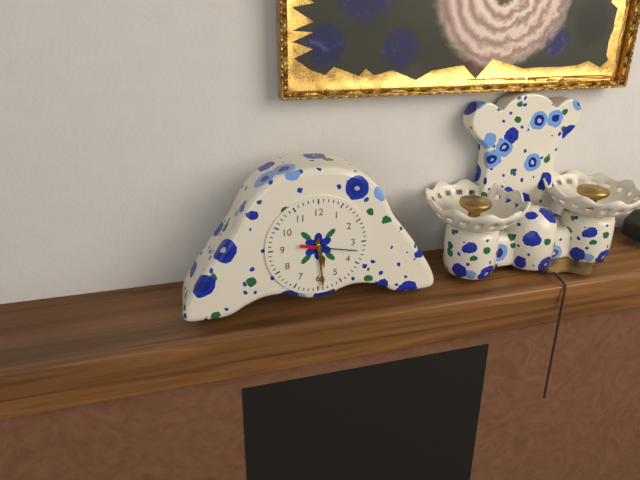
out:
5 h 29 min 17 s
